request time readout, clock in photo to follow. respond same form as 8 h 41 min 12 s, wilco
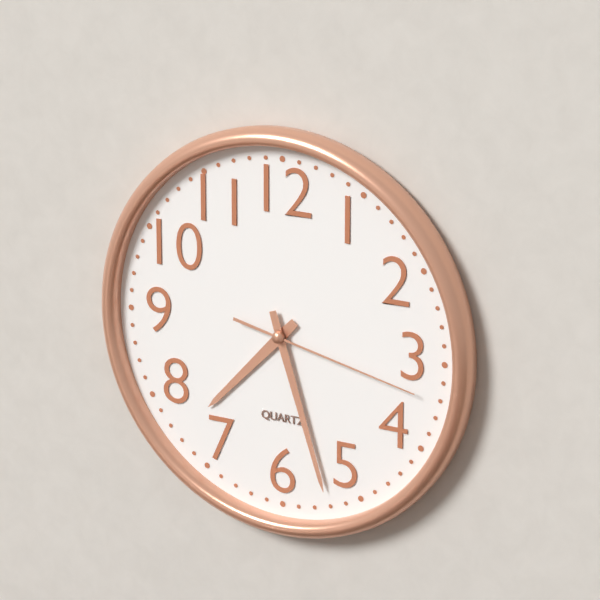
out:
7 h 27 min 17 s
